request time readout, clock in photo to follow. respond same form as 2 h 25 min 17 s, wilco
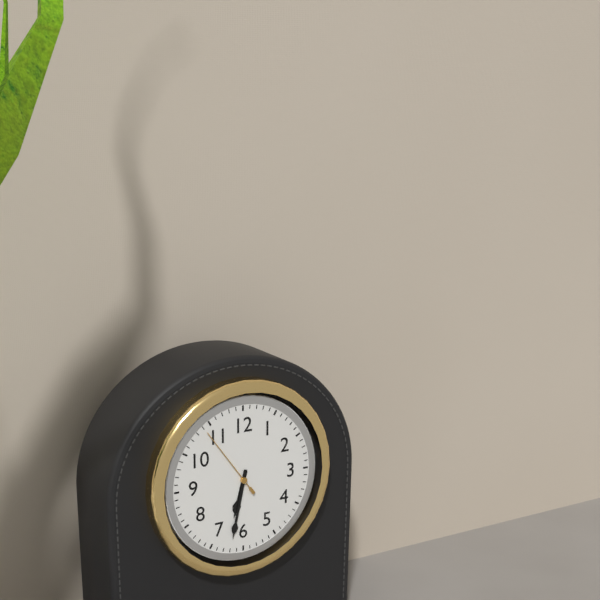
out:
6 h 32 min 54 s
